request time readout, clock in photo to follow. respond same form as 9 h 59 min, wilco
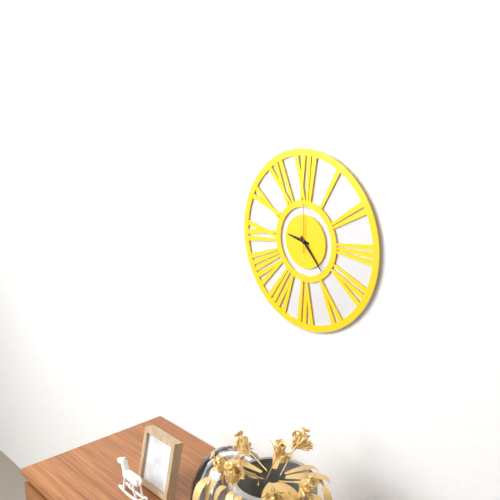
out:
9 h 23 min
